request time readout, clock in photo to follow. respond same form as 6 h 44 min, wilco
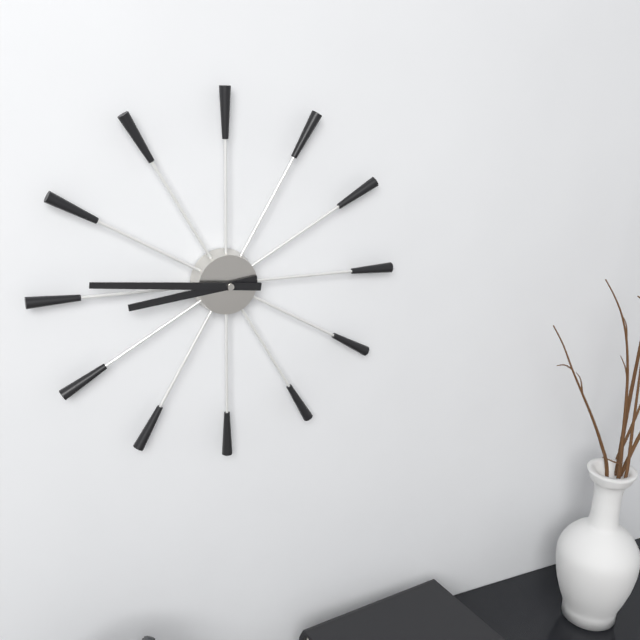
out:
8 h 46 min
